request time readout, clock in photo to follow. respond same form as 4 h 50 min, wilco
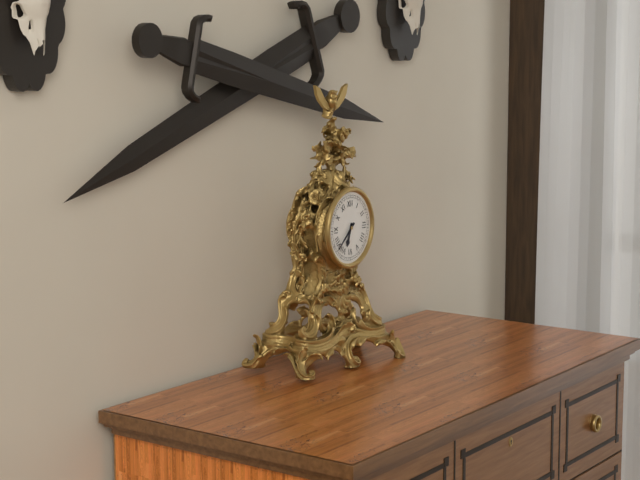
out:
6 h 38 min
